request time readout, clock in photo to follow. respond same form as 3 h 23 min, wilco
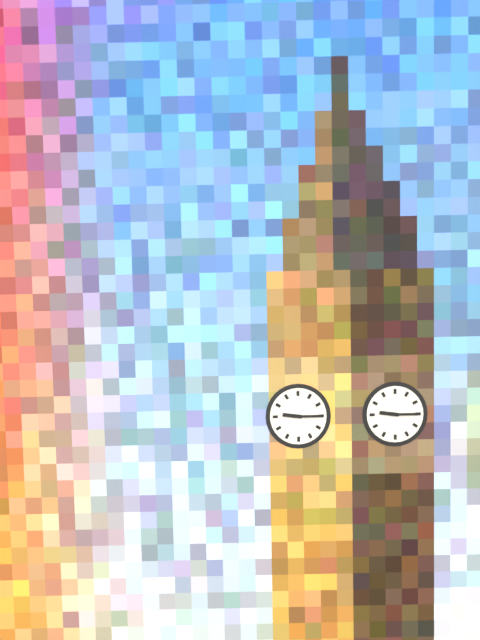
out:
9 h 15 min
